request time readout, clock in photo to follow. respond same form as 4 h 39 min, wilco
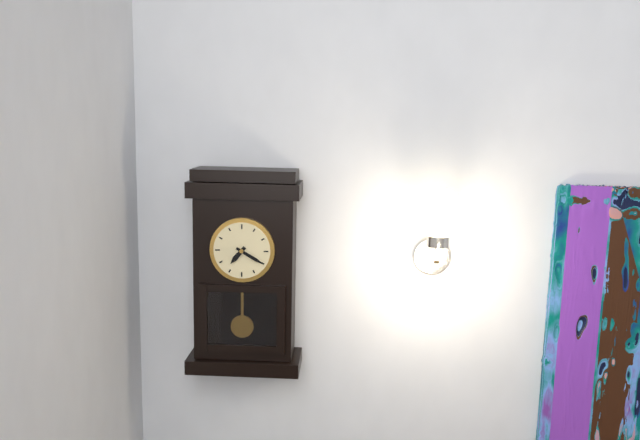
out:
7 h 20 min
